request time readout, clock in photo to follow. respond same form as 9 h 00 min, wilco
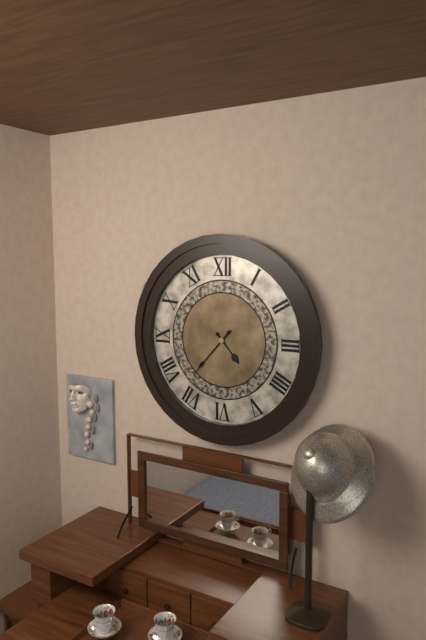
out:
4 h 37 min
